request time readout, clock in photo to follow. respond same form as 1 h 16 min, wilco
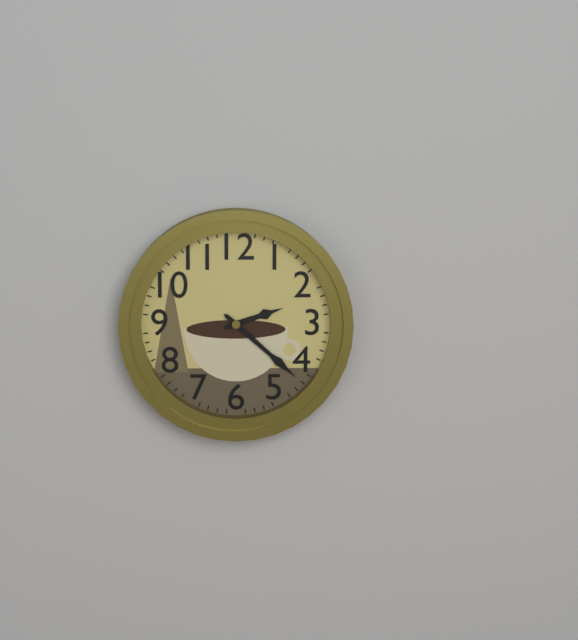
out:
2 h 22 min
